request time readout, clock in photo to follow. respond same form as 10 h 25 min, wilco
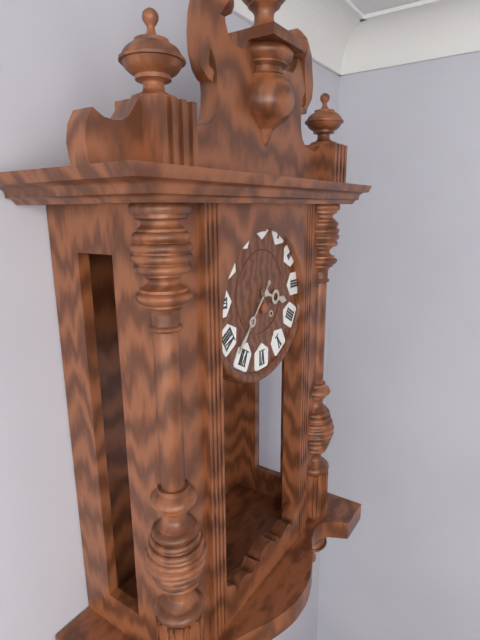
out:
3 h 37 min
